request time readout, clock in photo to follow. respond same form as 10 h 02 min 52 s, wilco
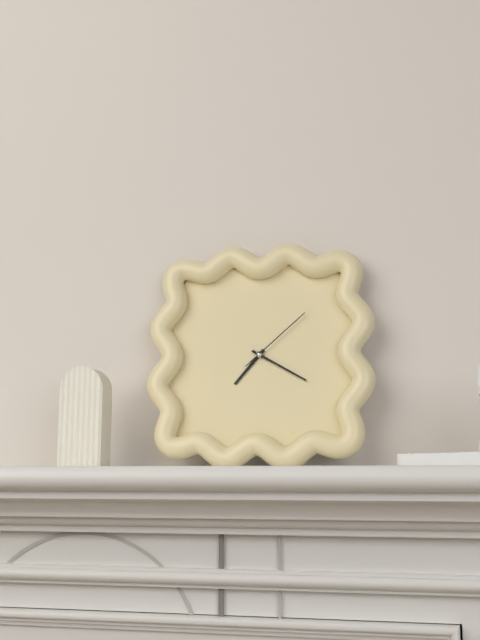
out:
7 h 20 min 08 s
